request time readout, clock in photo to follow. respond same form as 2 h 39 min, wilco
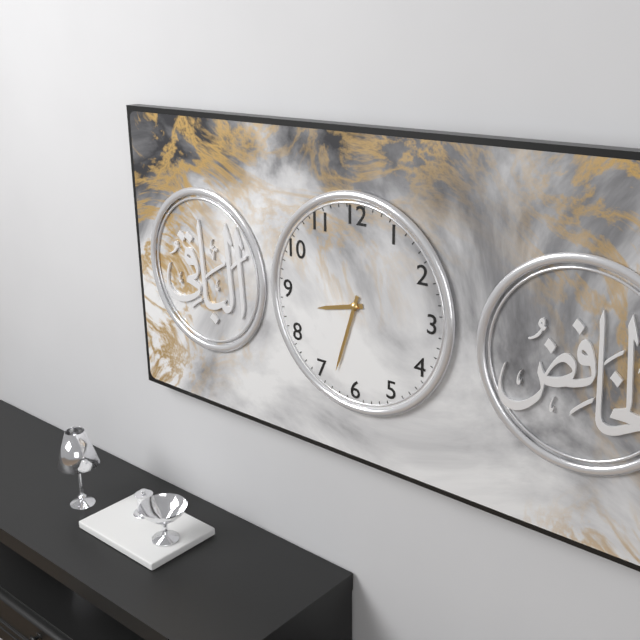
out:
8 h 33 min
